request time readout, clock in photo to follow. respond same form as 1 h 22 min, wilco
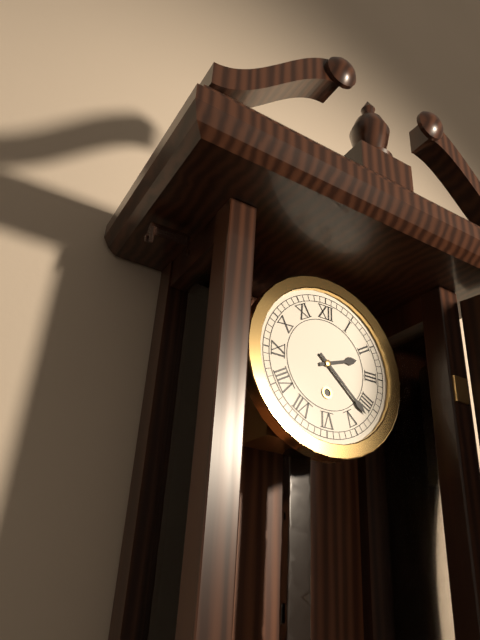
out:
2 h 22 min
